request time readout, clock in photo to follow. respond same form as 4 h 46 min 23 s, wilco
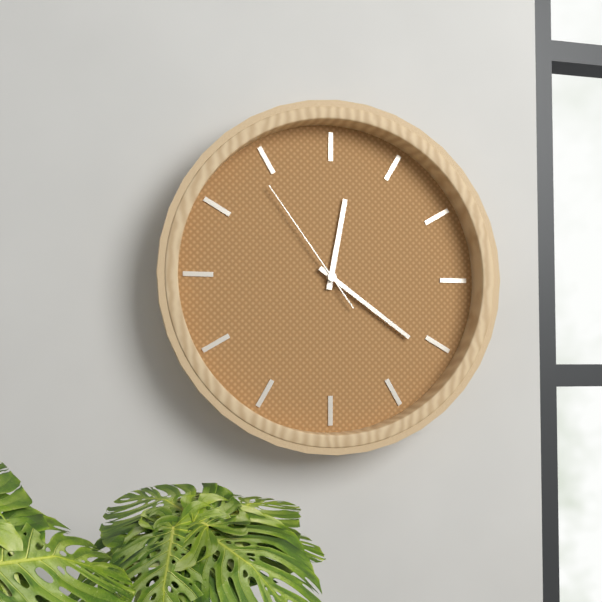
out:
12 h 21 min 54 s
